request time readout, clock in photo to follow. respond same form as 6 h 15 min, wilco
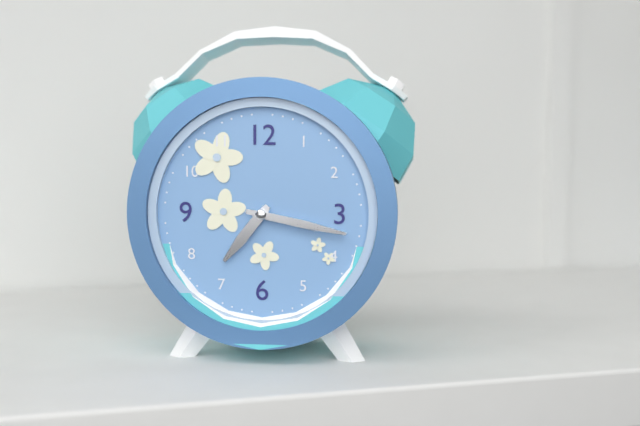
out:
7 h 17 min
